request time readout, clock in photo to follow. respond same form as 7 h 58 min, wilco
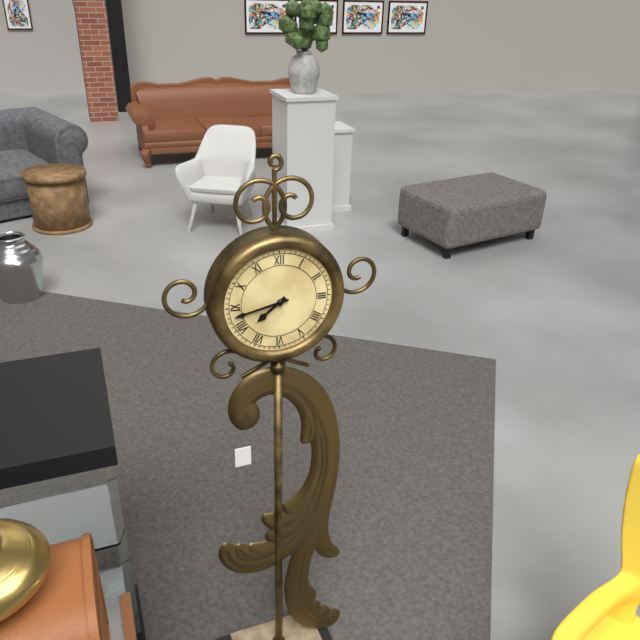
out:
7 h 43 min
